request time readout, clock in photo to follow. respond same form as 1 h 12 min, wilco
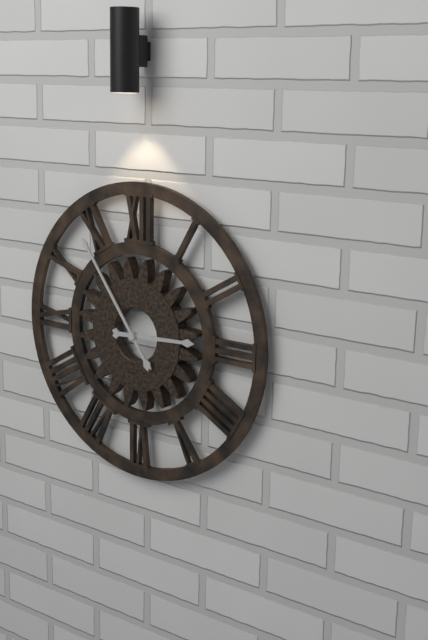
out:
2 h 54 min
